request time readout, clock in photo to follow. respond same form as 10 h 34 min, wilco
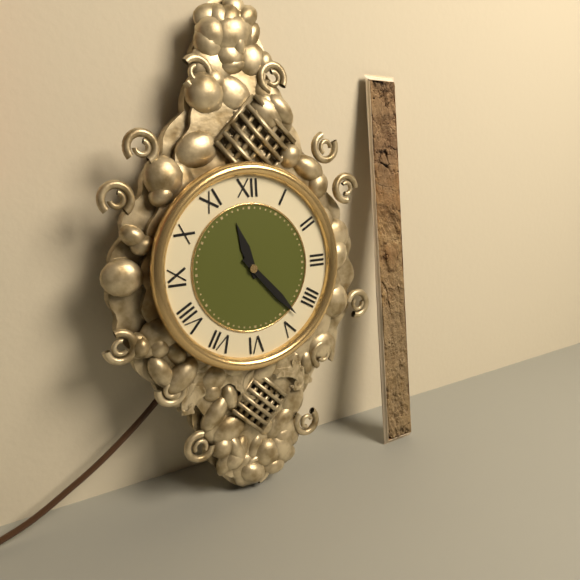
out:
11 h 23 min
